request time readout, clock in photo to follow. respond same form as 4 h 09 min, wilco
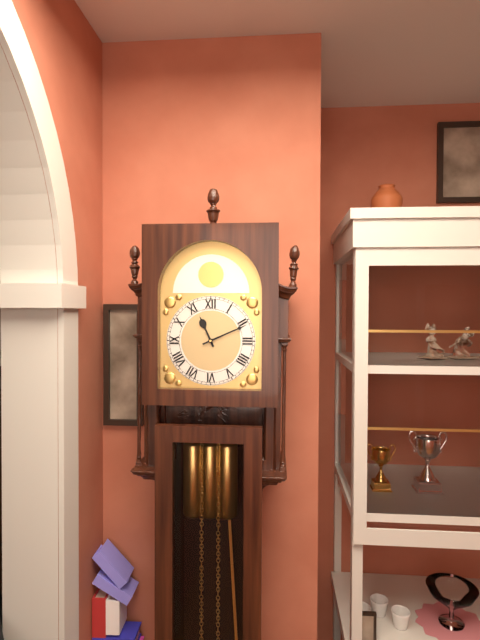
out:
11 h 11 min
